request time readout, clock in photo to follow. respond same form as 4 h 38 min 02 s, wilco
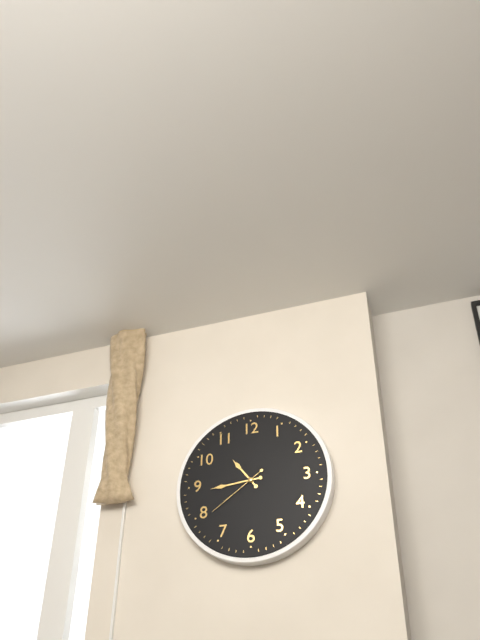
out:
10 h 44 min 39 s
